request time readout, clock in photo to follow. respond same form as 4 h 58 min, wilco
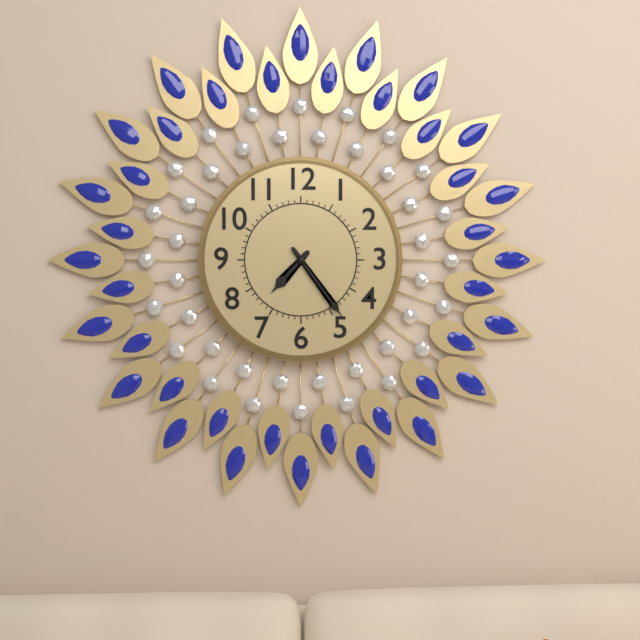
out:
7 h 24 min
